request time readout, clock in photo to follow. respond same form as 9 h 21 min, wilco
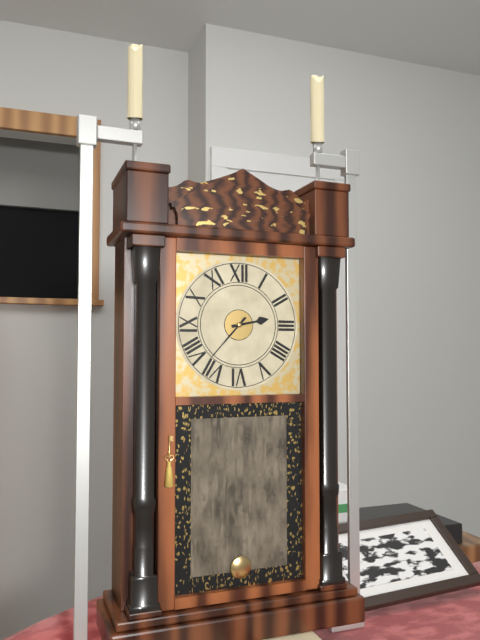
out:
2 h 37 min
